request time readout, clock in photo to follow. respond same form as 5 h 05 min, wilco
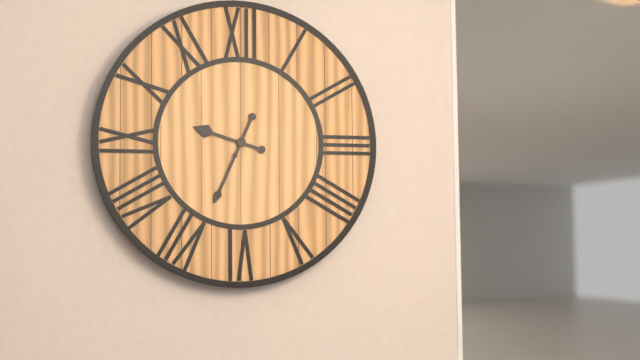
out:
9 h 34 min
